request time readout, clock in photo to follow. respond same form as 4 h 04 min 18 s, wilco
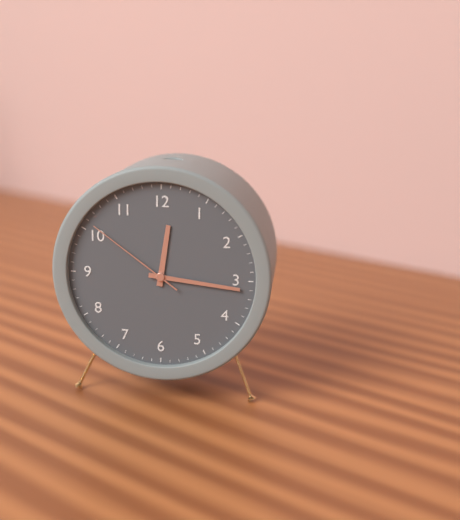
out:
12 h 16 min 51 s
